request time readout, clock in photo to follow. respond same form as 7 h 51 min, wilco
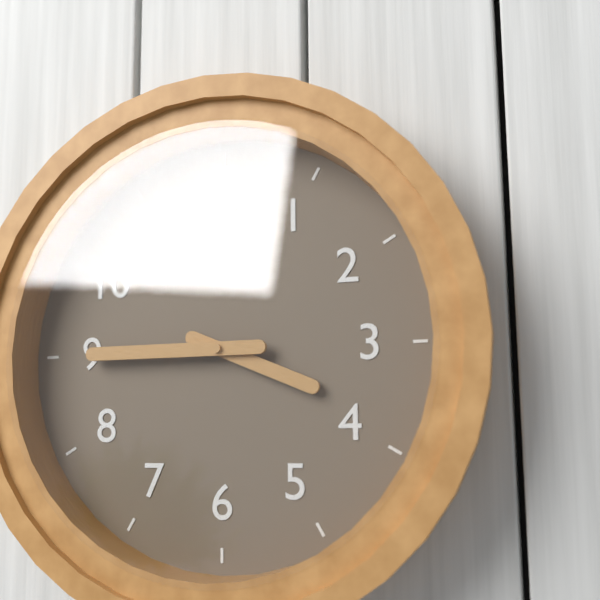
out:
3 h 45 min
